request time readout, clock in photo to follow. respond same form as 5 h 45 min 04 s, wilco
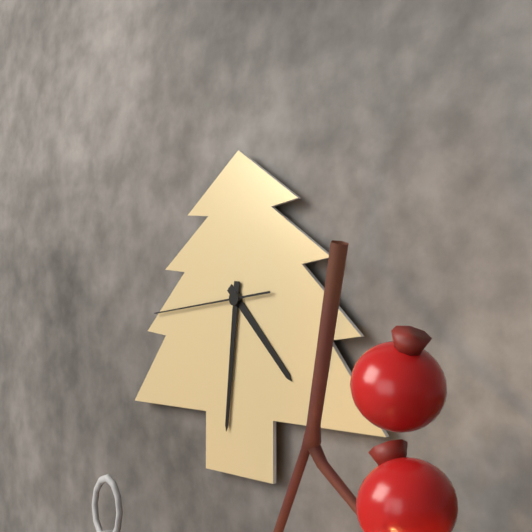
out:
4 h 31 min 44 s
